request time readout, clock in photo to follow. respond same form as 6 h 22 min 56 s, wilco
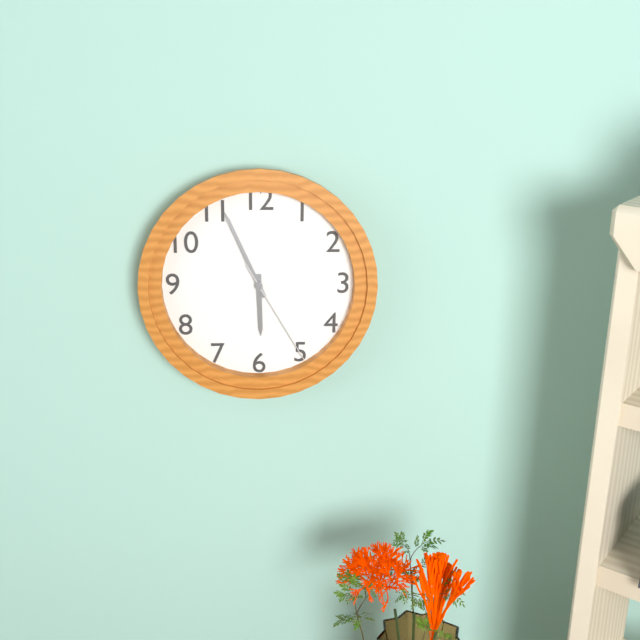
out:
5 h 56 min 25 s
